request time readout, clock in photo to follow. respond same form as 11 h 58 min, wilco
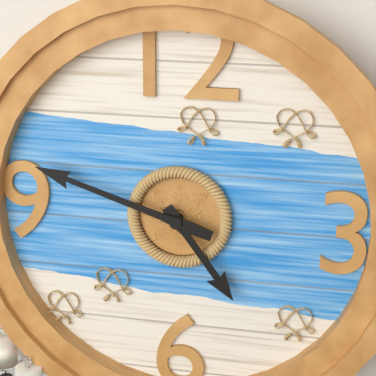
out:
4 h 48 min
